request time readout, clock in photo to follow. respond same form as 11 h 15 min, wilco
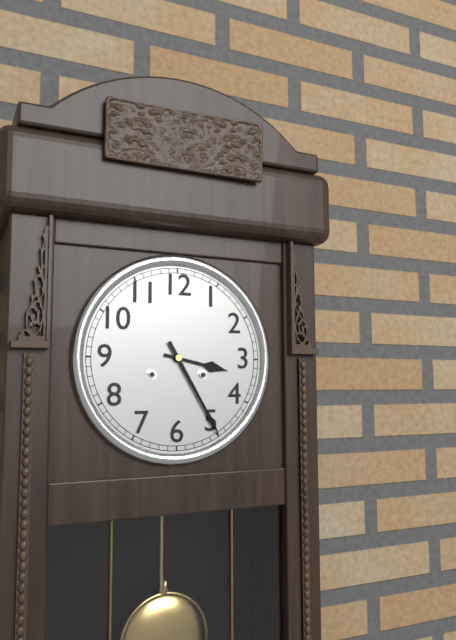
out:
3 h 25 min
